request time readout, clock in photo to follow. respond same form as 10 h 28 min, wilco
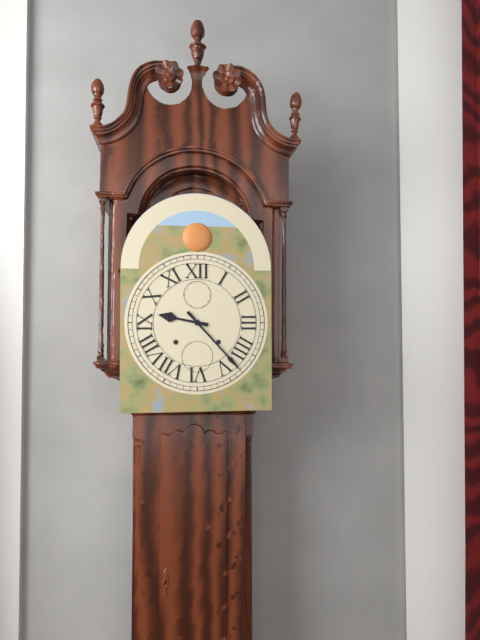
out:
9 h 23 min
